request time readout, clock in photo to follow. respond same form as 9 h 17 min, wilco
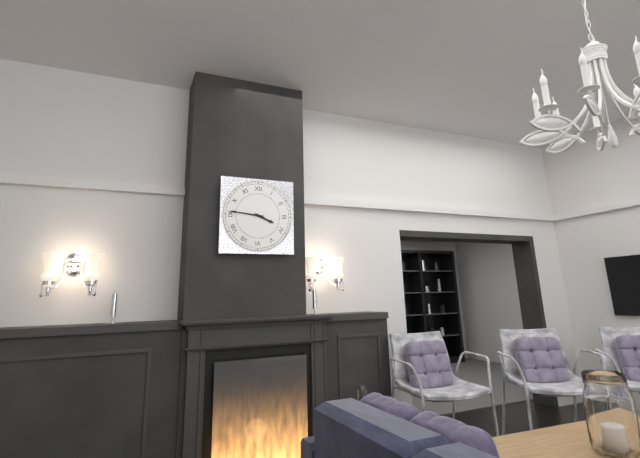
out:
3 h 46 min
